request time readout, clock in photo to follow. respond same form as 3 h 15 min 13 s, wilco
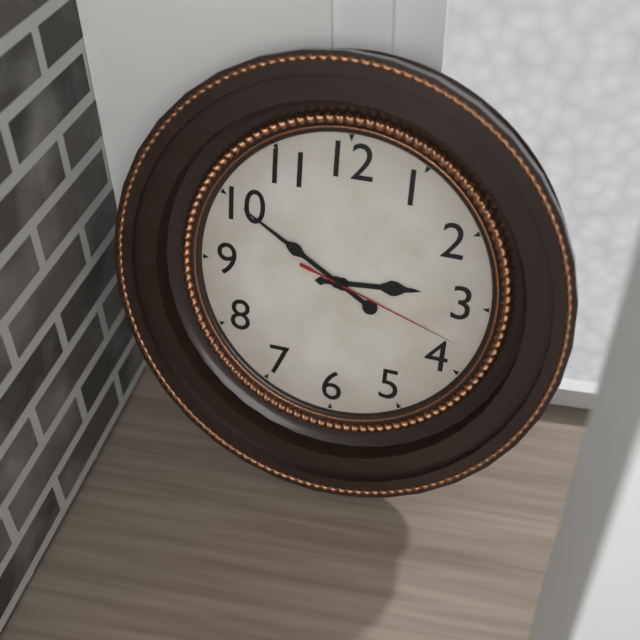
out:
2 h 50 min 18 s
